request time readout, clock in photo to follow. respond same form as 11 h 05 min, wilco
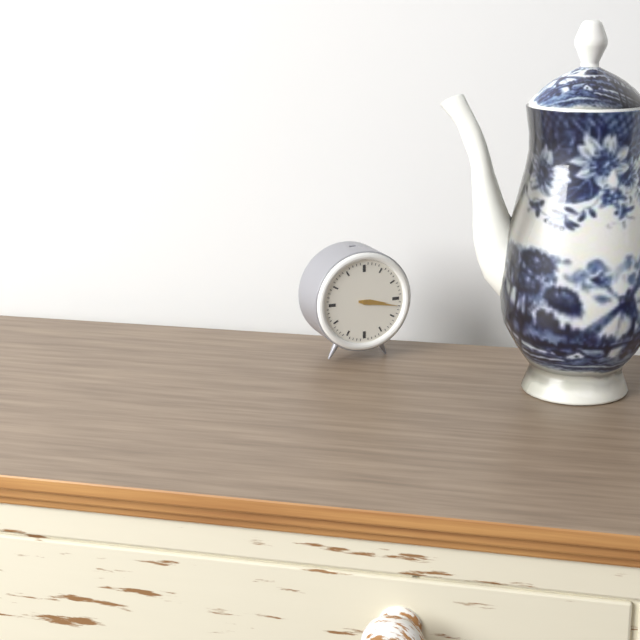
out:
3 h 17 min
